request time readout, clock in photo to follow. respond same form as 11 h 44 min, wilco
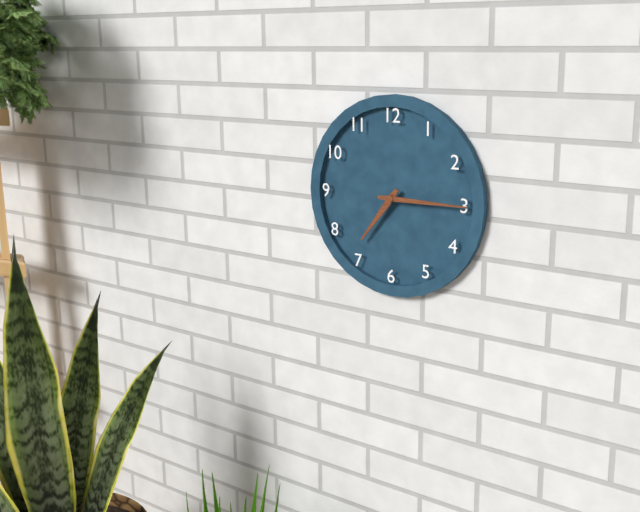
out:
7 h 15 min
